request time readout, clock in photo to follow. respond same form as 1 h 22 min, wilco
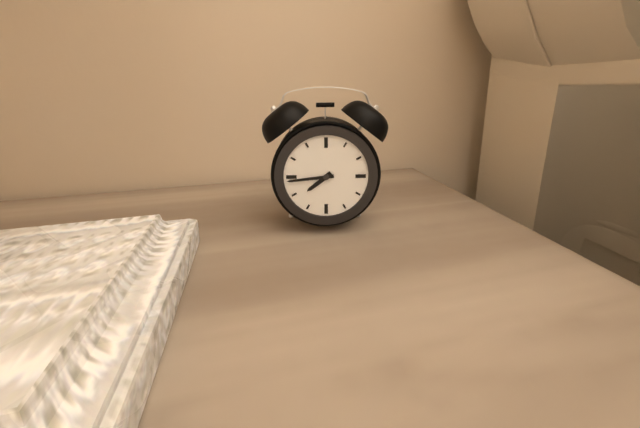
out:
7 h 44 min
